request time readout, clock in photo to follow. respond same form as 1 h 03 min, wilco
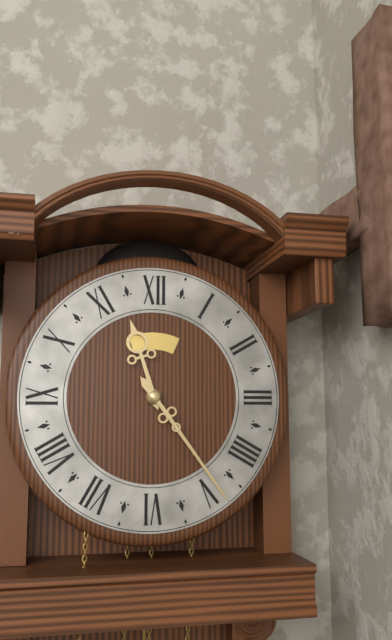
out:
11 h 24 min
